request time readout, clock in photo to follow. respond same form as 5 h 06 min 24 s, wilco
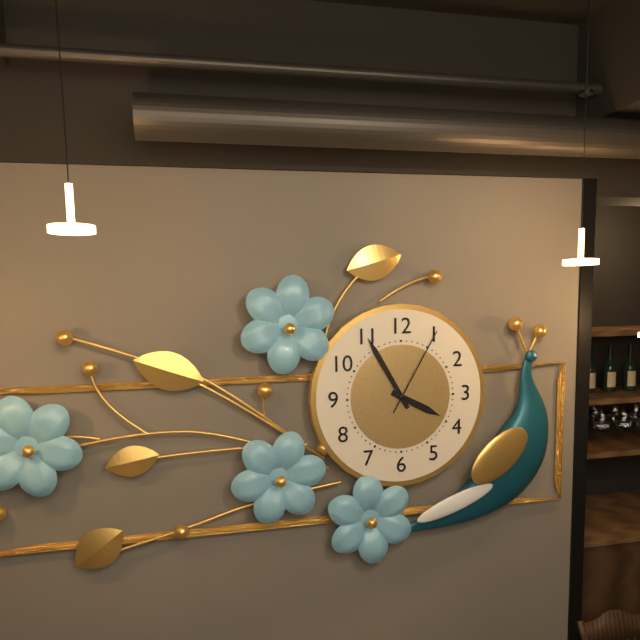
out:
3 h 55 min 05 s
